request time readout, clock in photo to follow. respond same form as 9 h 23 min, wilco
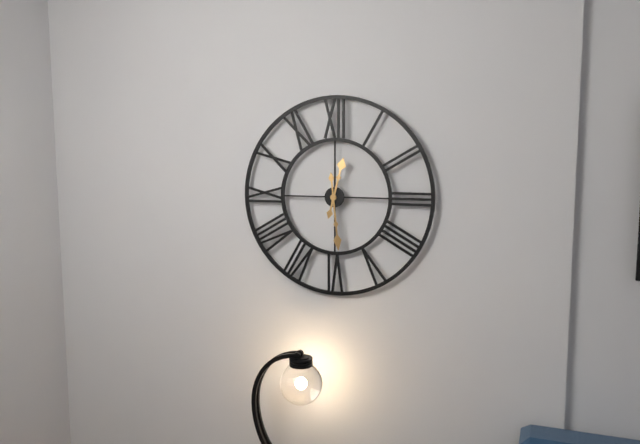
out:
12 h 29 min
